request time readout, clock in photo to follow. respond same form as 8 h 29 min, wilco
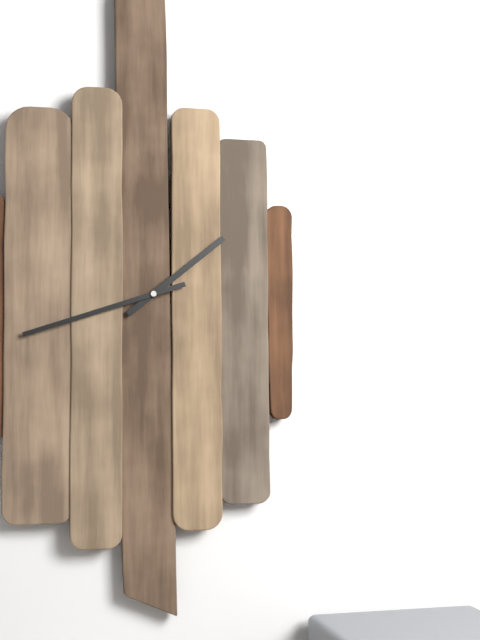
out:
1 h 42 min
